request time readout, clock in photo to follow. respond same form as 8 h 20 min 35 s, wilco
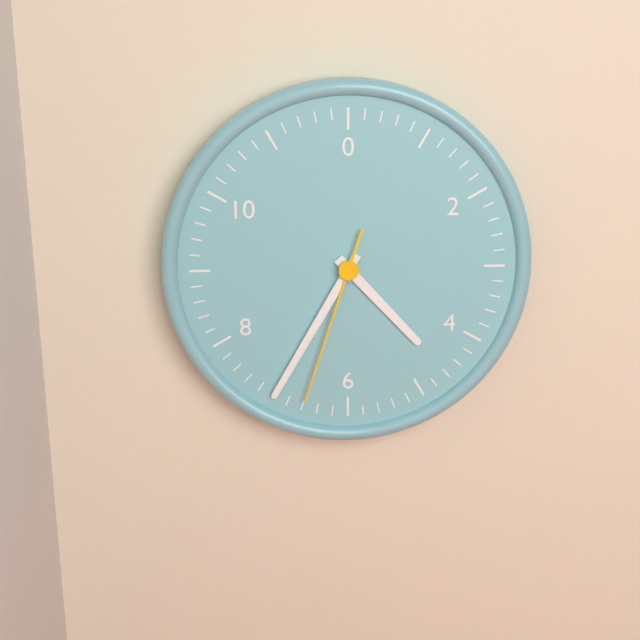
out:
4 h 35 min 33 s
